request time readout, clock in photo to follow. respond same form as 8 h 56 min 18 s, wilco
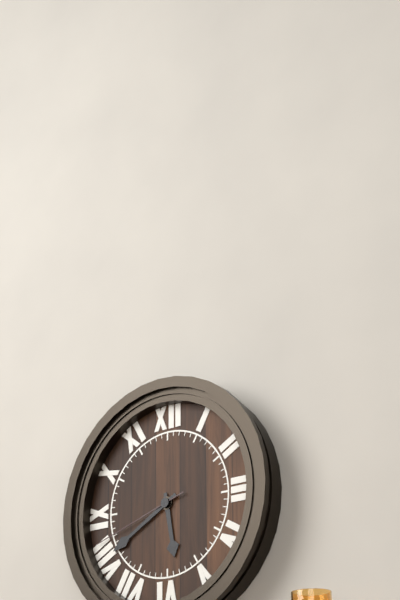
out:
5 h 40 min 42 s
